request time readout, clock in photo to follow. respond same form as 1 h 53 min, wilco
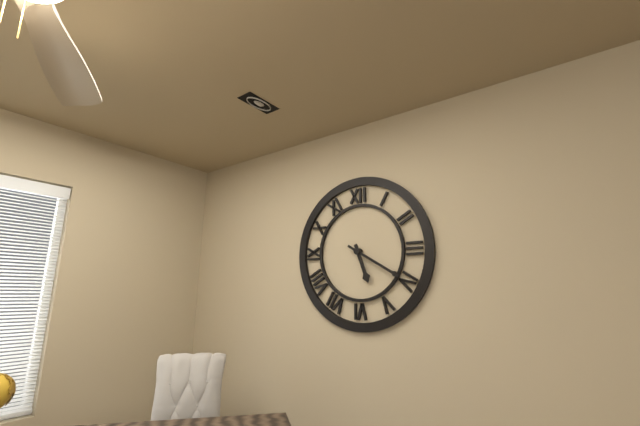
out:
5 h 20 min
